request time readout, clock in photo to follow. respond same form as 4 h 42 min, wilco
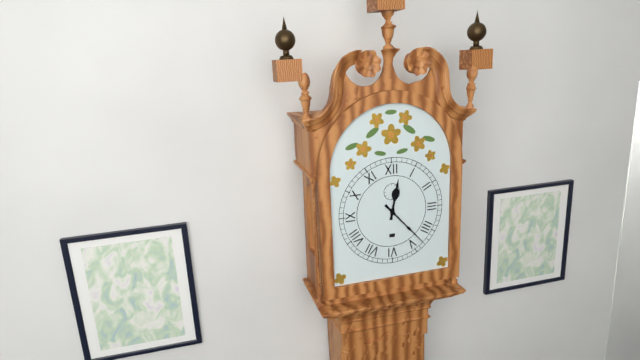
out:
12 h 23 min
